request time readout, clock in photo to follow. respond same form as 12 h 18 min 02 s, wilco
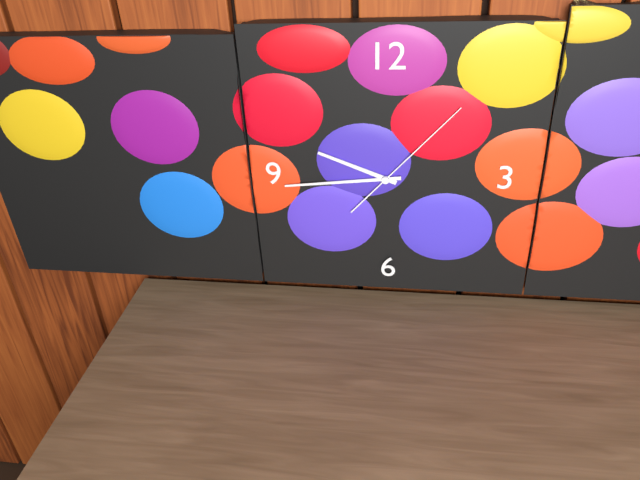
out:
9 h 44 min 07 s
